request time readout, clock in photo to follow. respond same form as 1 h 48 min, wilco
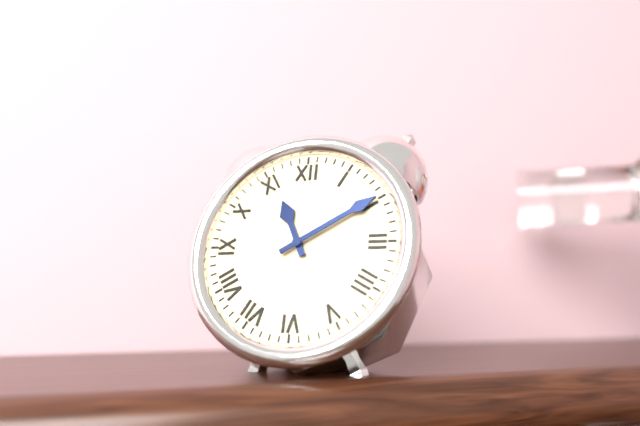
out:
11 h 10 min
